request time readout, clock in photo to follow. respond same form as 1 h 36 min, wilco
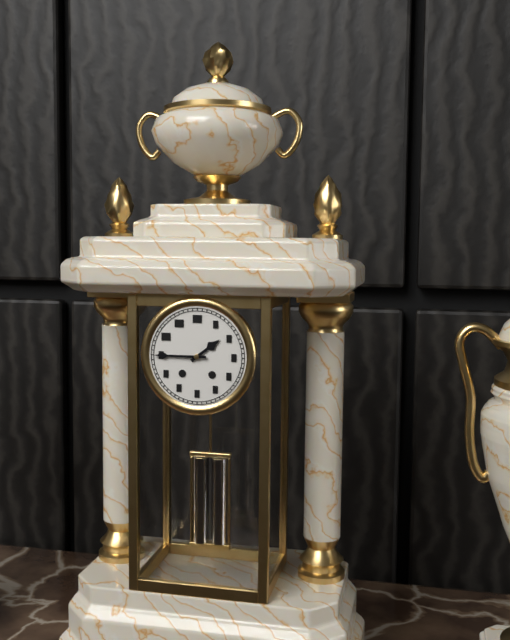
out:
1 h 45 min
